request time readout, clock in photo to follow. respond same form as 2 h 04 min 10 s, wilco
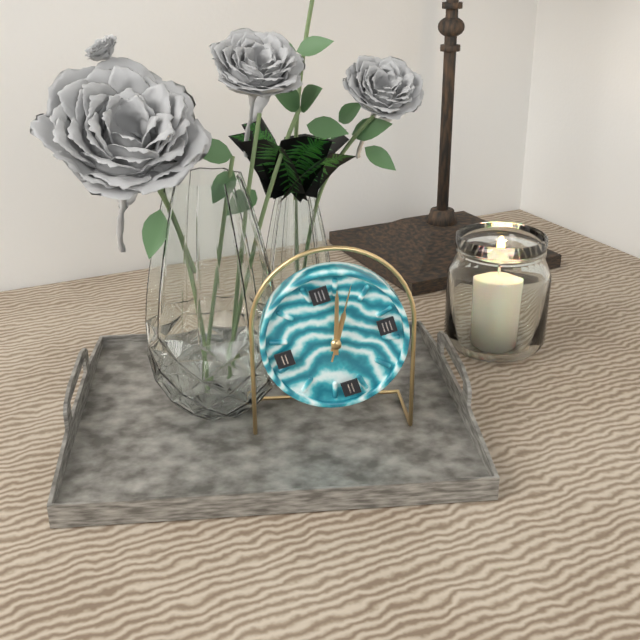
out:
1 h 03 min 05 s
